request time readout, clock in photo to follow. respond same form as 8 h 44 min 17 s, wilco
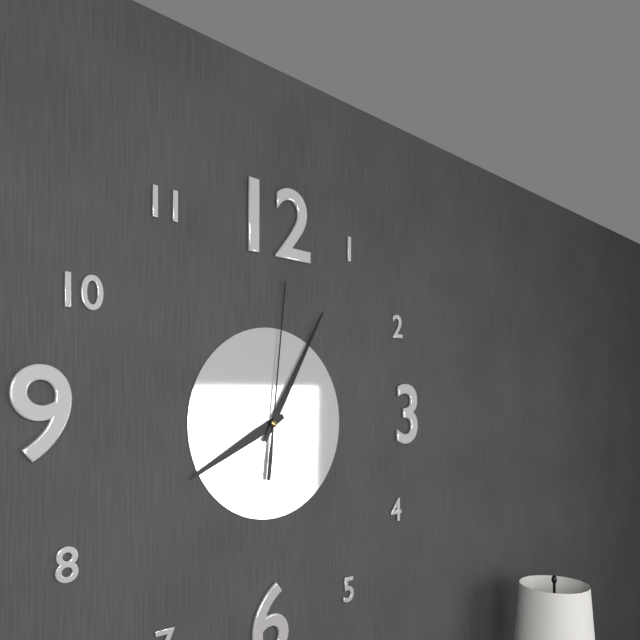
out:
8 h 05 min 01 s
